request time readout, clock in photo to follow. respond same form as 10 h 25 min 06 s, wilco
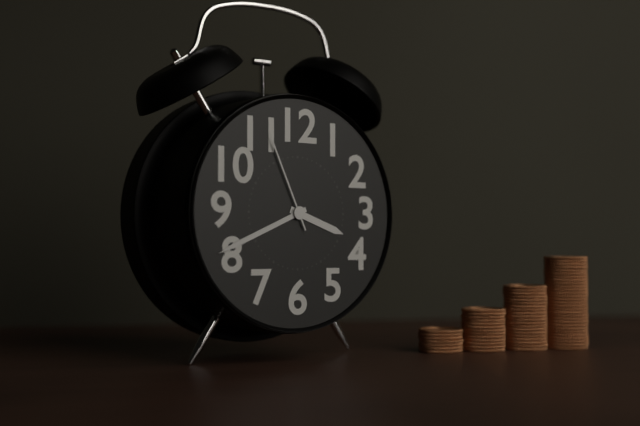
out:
3 h 41 min 56 s
